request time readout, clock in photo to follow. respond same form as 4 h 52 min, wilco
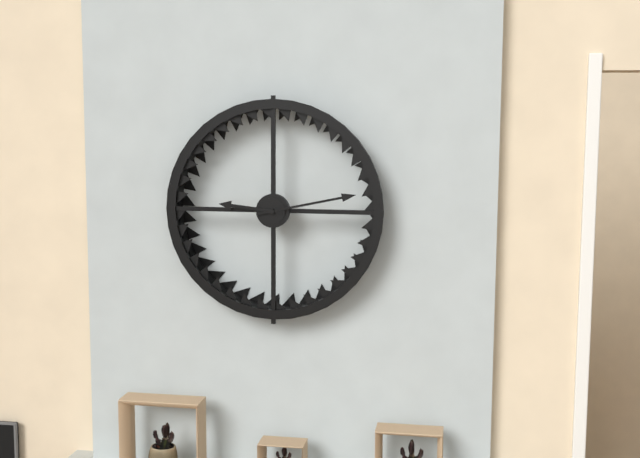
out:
9 h 13 min
